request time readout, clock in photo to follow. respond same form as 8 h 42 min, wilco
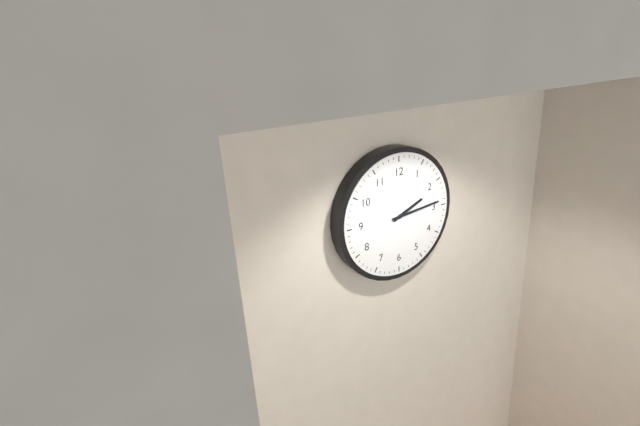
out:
2 h 14 min
